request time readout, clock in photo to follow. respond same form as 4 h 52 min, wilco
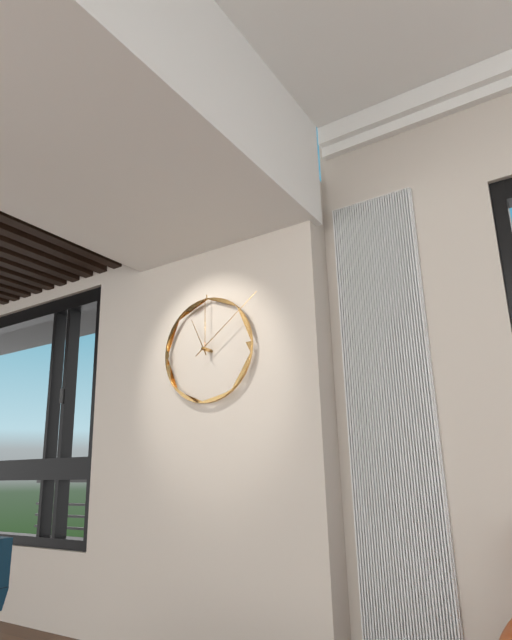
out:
11 h 09 min
